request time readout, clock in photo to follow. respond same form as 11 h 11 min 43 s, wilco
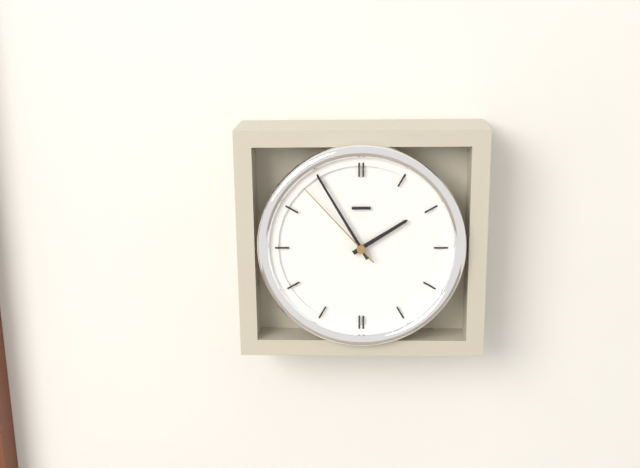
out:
1 h 55 min 53 s
